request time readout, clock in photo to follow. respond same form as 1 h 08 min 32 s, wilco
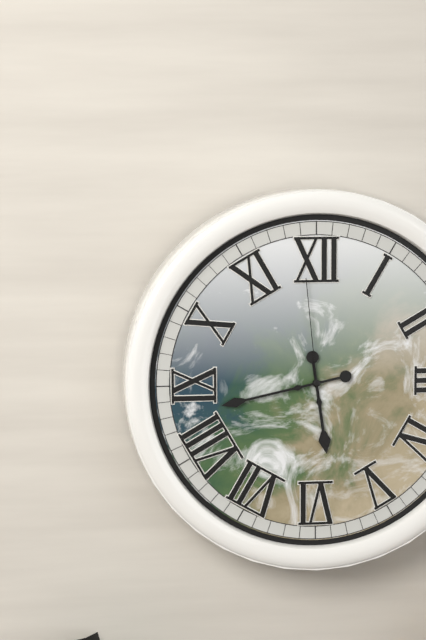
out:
5 h 43 min 59 s
